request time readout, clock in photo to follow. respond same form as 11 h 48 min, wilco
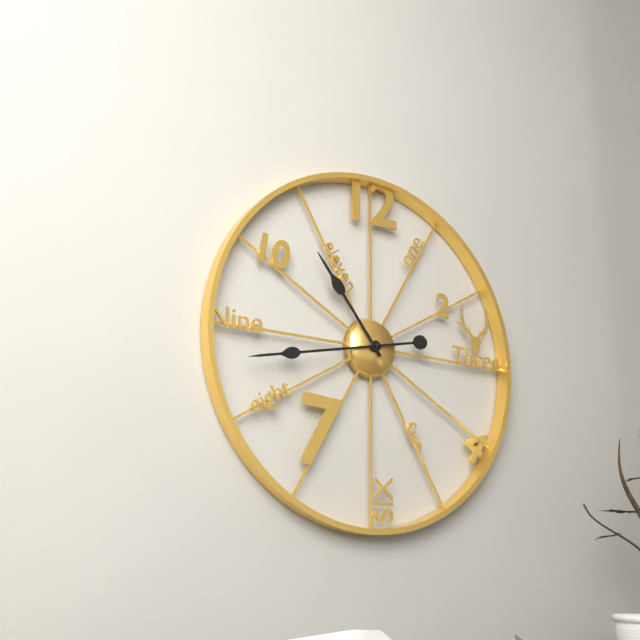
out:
10 h 43 min
